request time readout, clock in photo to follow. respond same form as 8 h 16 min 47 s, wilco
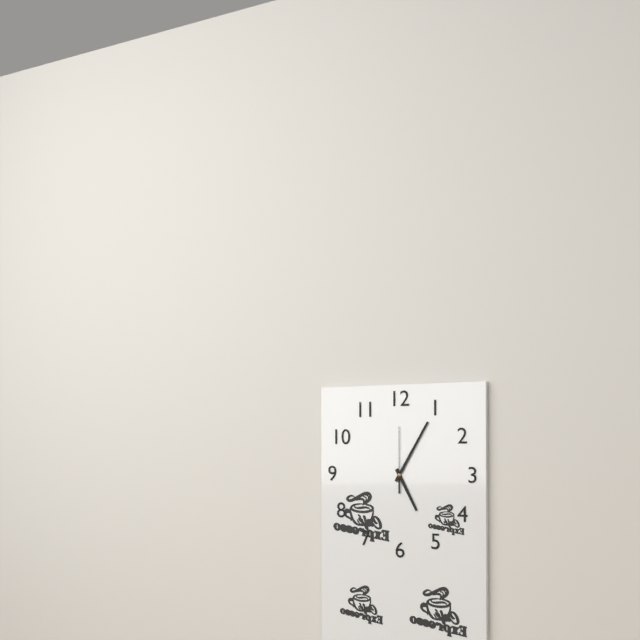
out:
5 h 05 min 00 s
